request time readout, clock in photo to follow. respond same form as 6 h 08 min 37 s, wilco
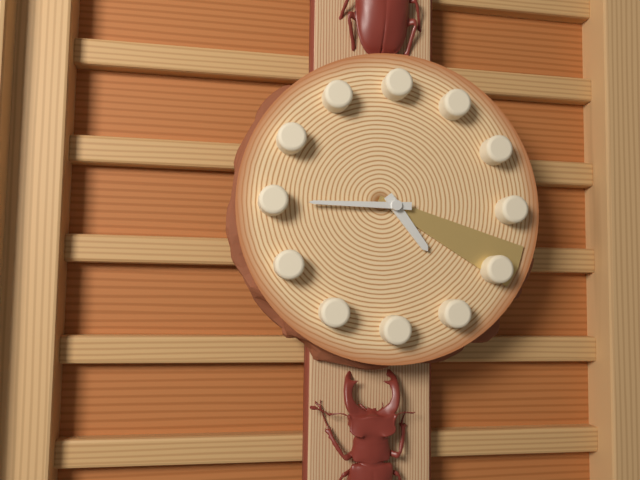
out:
4 h 45 min 19 s
